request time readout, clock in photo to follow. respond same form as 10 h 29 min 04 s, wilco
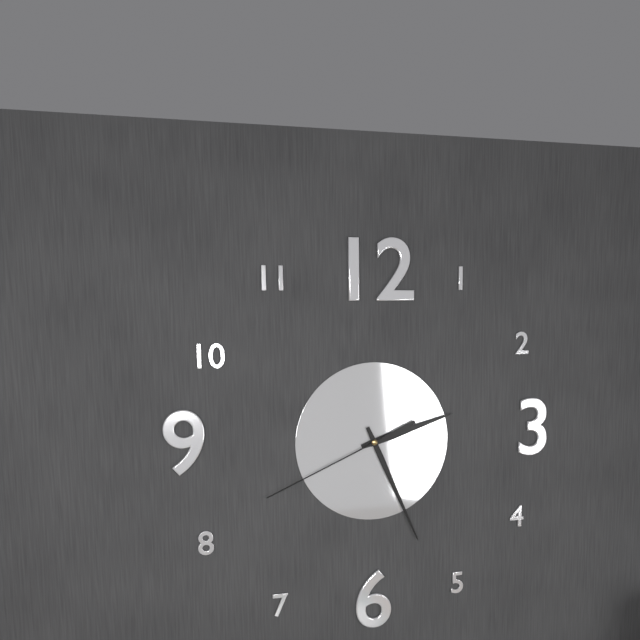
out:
2 h 26 min 41 s
